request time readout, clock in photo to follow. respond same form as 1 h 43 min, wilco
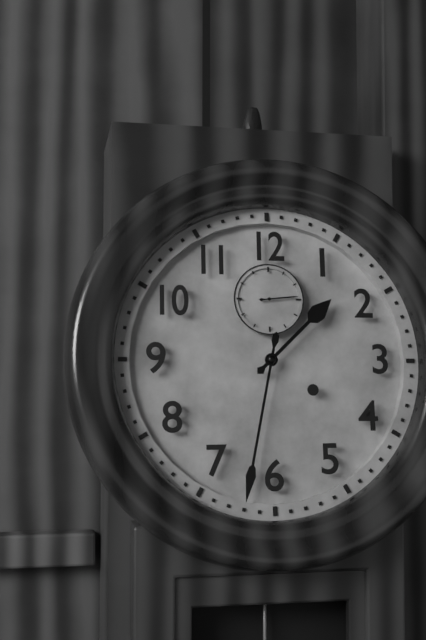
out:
1 h 32 min
